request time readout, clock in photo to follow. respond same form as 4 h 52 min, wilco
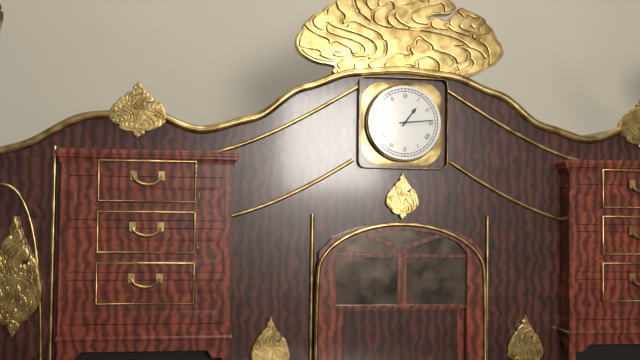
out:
1 h 14 min
